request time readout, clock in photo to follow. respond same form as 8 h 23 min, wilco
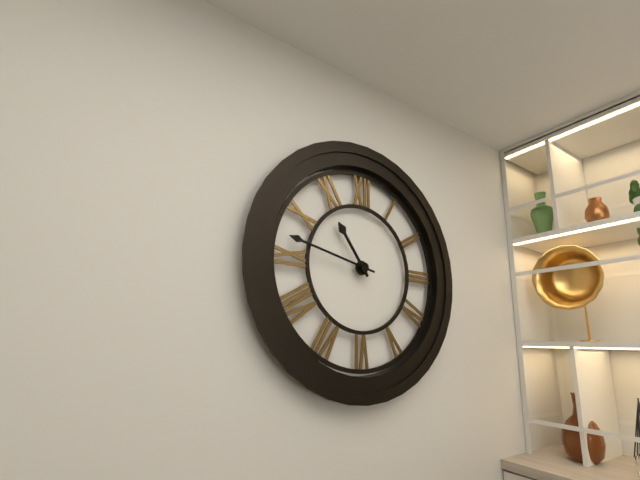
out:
10 h 47 min
